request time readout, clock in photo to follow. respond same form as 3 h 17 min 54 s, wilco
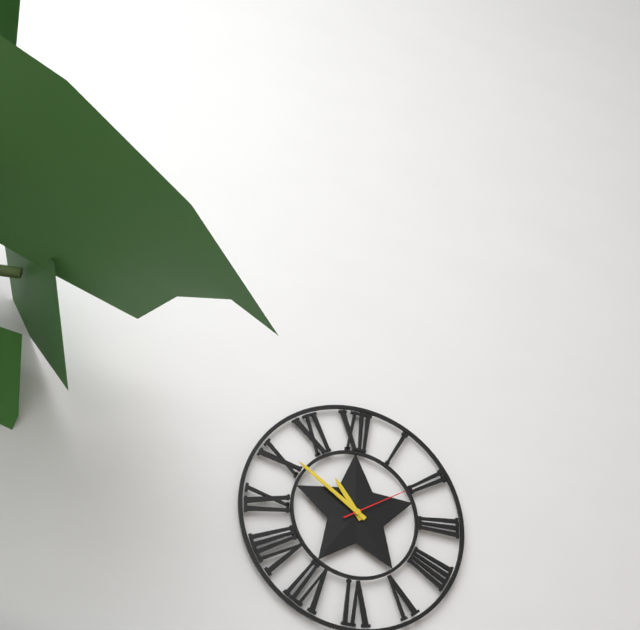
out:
10 h 51 min 10 s
